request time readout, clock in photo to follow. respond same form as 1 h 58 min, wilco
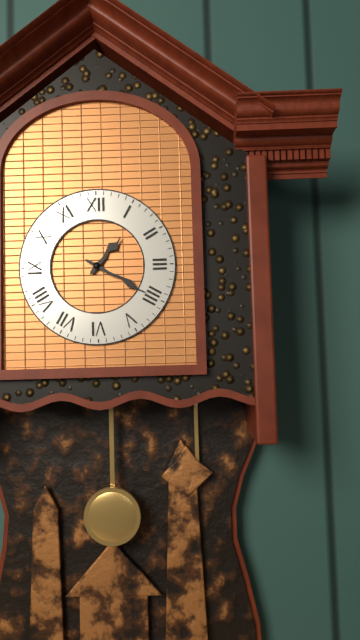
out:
1 h 20 min
